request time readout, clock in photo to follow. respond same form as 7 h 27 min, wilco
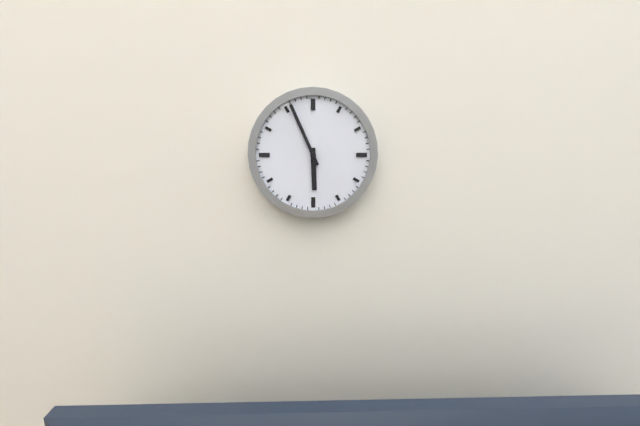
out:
5 h 56 min
